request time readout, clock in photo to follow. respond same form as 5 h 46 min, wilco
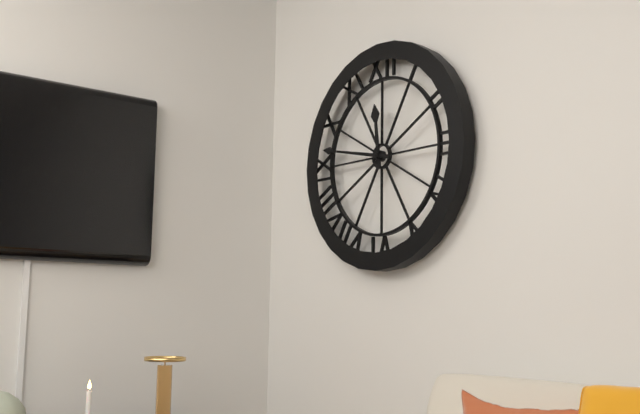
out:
11 h 47 min
